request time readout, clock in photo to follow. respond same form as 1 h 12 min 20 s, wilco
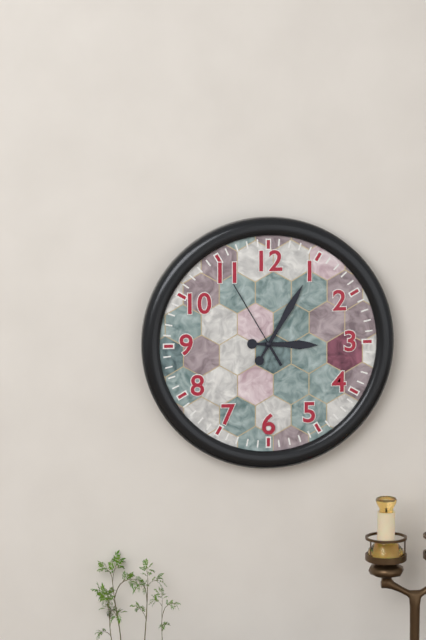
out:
3 h 05 min 55 s
